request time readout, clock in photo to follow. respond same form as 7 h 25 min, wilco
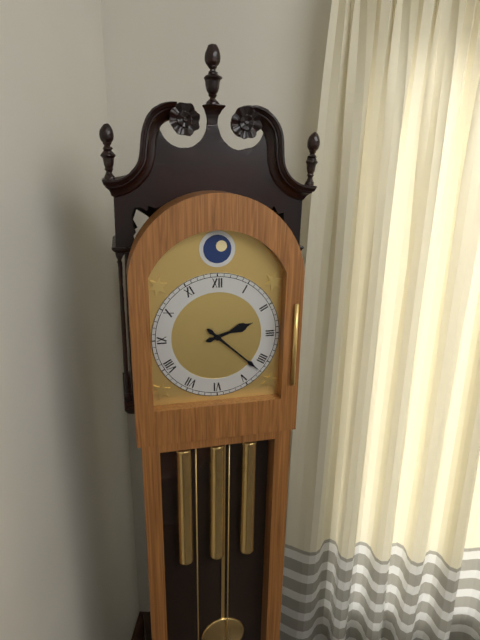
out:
2 h 22 min
